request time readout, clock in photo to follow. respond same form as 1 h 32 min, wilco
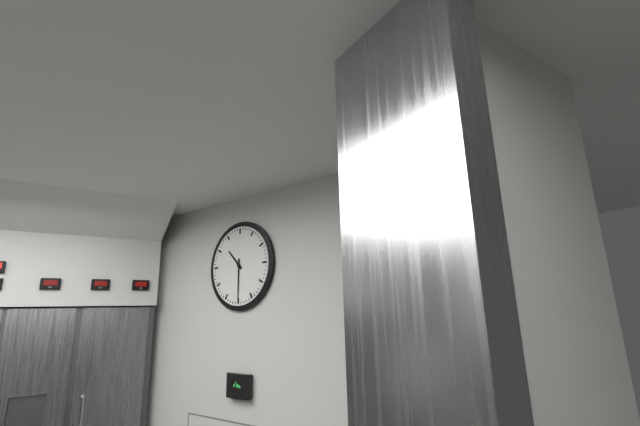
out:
10 h 30 min
